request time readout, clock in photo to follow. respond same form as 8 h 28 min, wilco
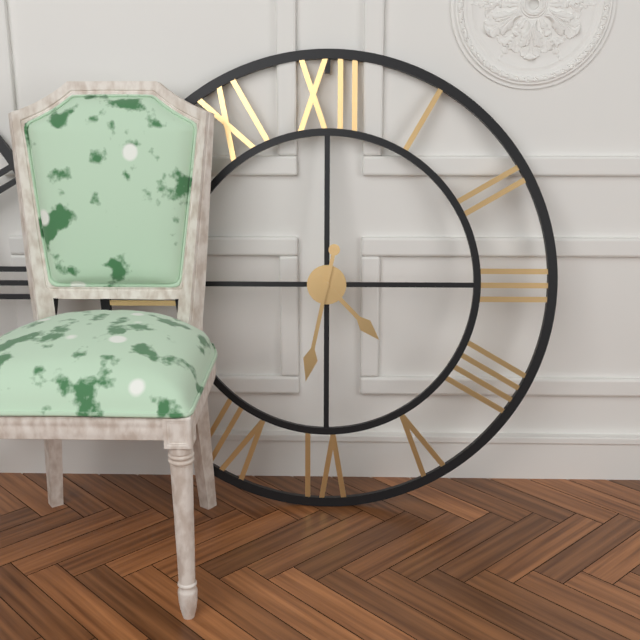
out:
4 h 32 min
